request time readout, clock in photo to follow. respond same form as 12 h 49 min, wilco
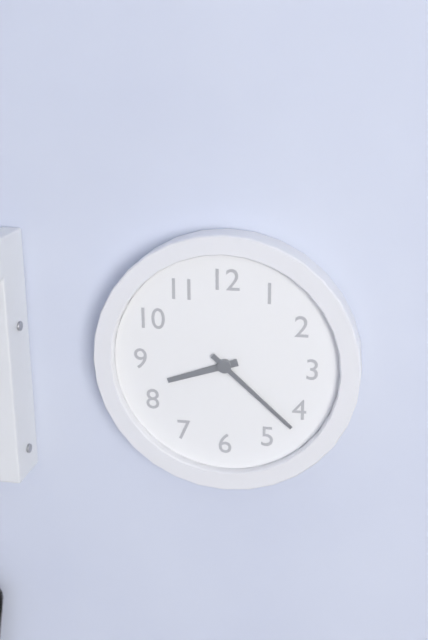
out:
8 h 22 min
